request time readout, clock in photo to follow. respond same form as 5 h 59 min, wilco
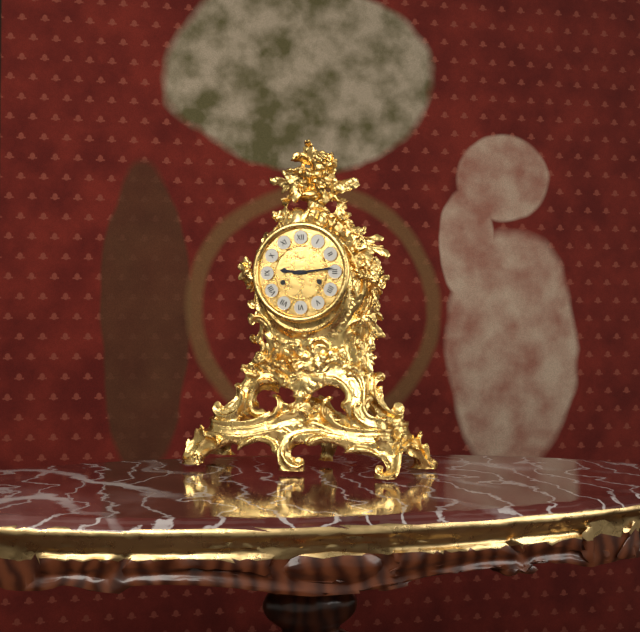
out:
9 h 14 min
